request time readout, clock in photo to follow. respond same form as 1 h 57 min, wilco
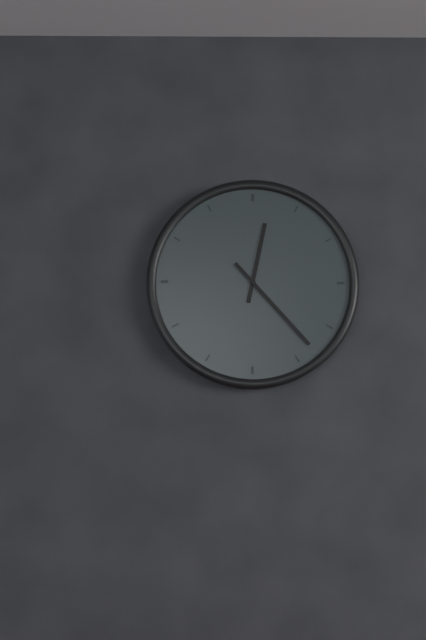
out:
12 h 23 min
